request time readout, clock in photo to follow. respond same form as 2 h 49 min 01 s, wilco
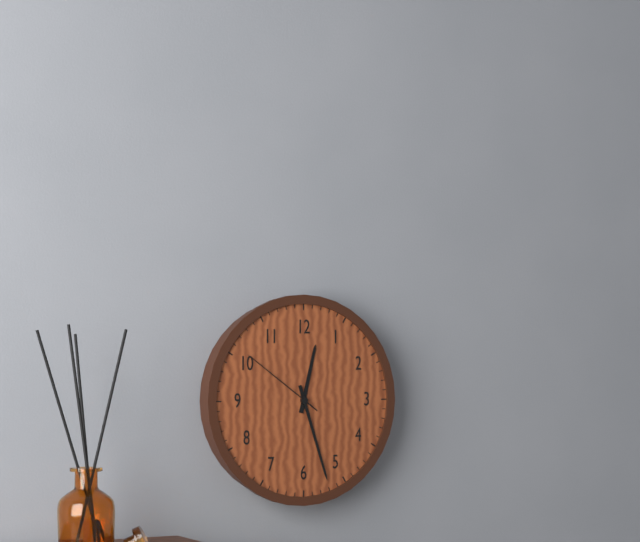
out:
12 h 27 min 51 s
